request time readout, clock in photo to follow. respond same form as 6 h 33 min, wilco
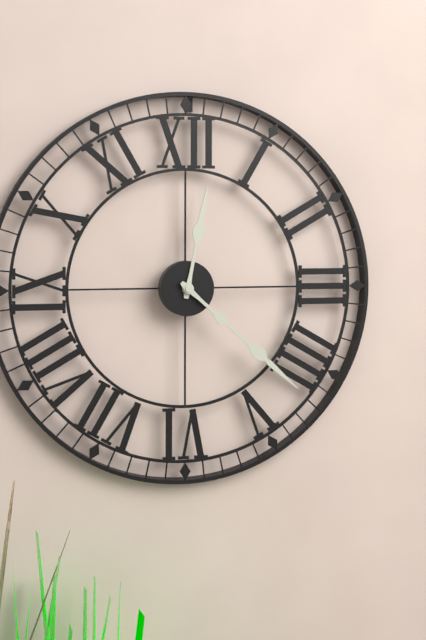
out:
12 h 22 min
